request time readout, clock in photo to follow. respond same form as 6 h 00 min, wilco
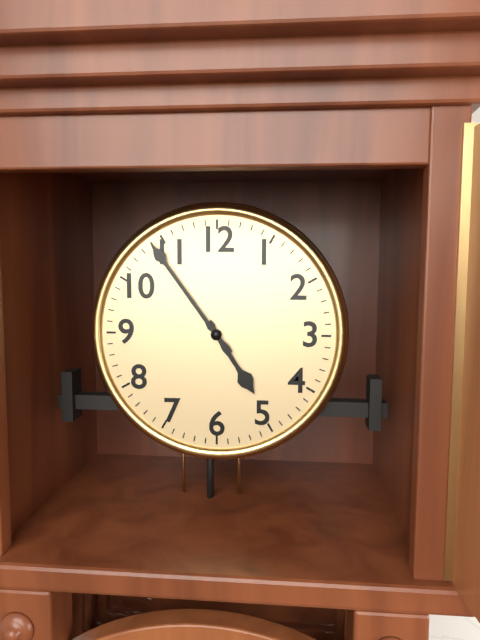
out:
4 h 54 min
